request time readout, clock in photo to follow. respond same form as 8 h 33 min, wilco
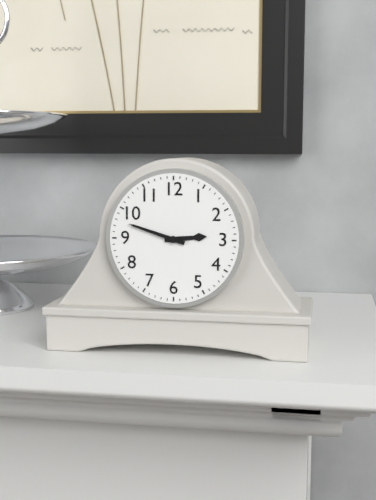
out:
2 h 48 min
